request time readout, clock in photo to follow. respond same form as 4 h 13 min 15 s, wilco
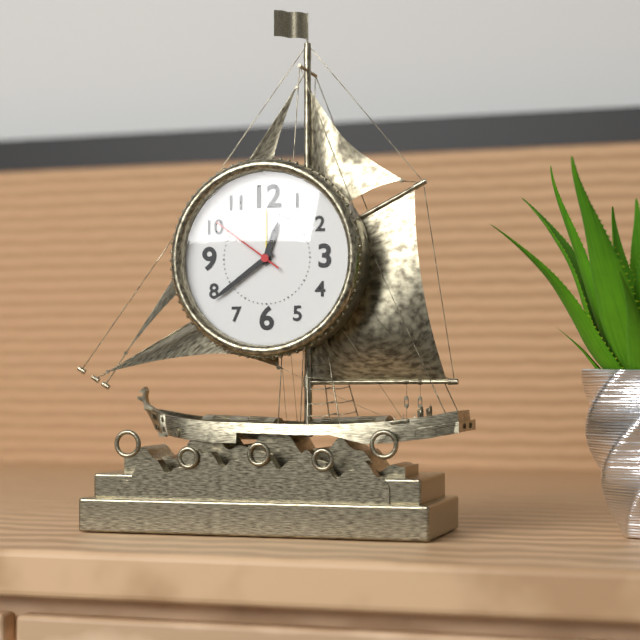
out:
12 h 39 min 51 s
